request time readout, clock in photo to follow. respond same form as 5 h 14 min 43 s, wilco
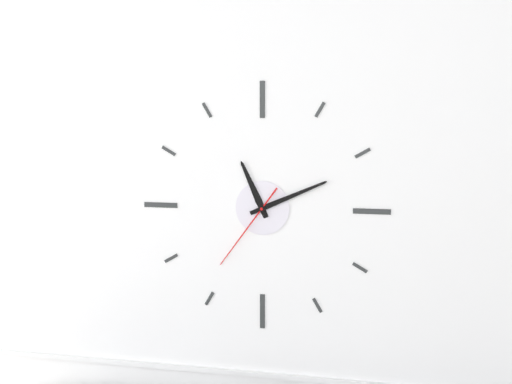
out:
11 h 11 min 36 s
